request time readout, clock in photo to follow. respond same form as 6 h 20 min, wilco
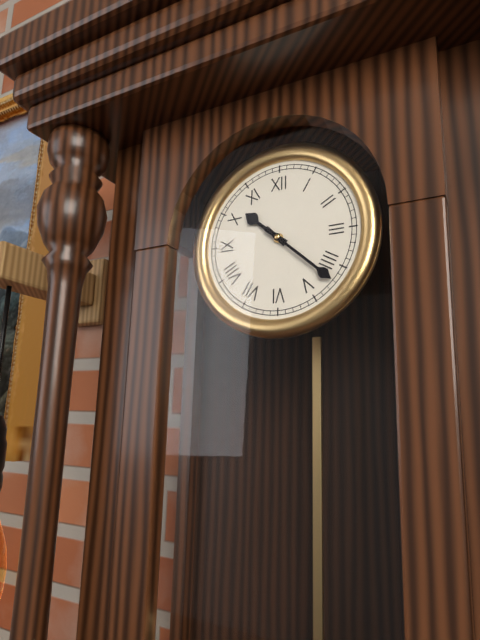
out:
10 h 22 min
